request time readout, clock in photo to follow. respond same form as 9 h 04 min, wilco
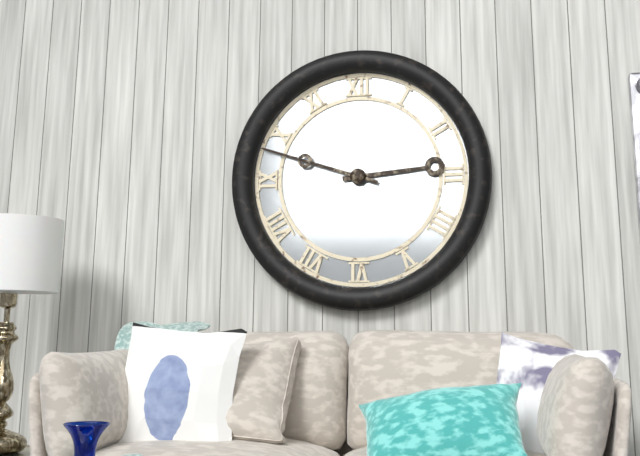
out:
2 h 48 min
